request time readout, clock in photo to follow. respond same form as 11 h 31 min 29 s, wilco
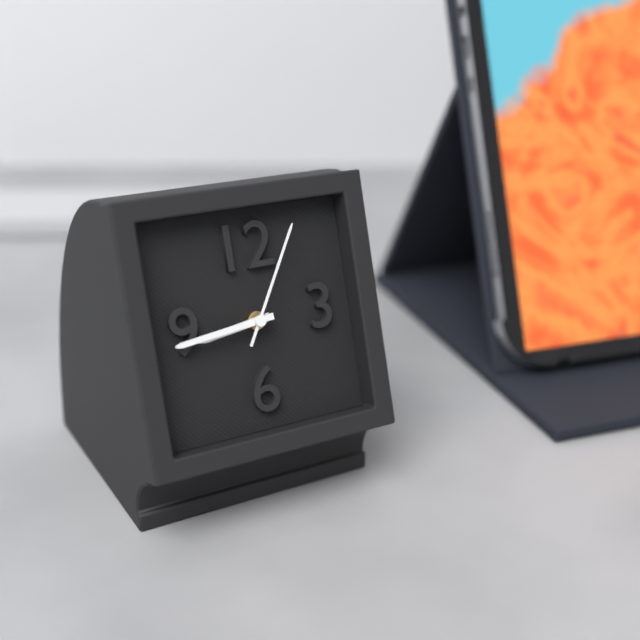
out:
8 h 44 min 05 s
